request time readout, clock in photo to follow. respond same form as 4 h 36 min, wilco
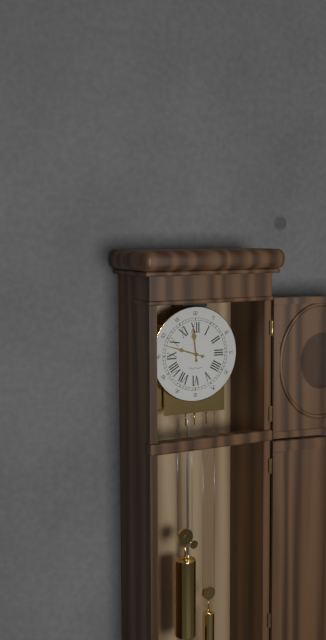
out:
11 h 48 min
